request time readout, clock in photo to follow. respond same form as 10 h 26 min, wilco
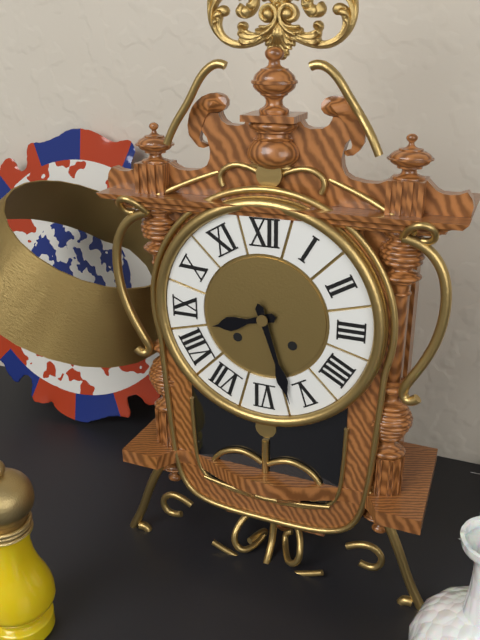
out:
8 h 27 min
